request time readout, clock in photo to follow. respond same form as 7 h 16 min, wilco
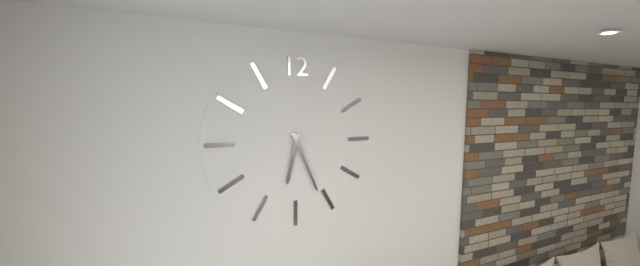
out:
6 h 26 min
